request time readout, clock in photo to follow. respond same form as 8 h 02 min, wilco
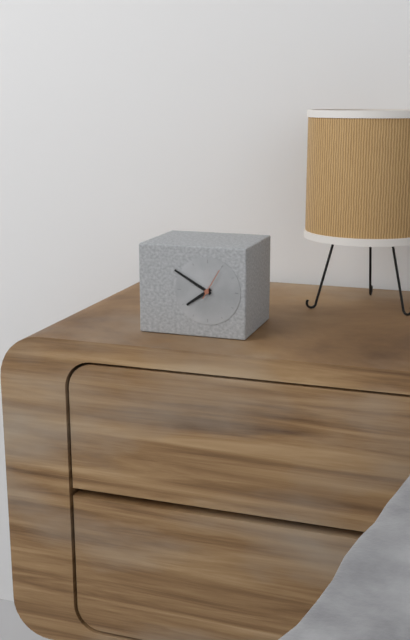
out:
7 h 50 min
